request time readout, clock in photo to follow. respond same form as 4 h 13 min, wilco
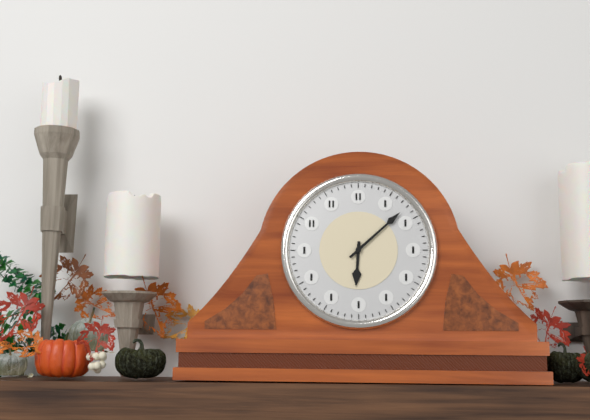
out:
6 h 08 min
